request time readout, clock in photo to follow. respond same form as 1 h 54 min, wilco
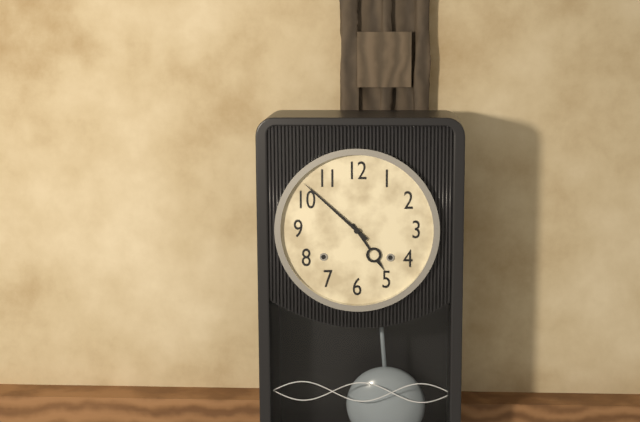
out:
4 h 52 min
